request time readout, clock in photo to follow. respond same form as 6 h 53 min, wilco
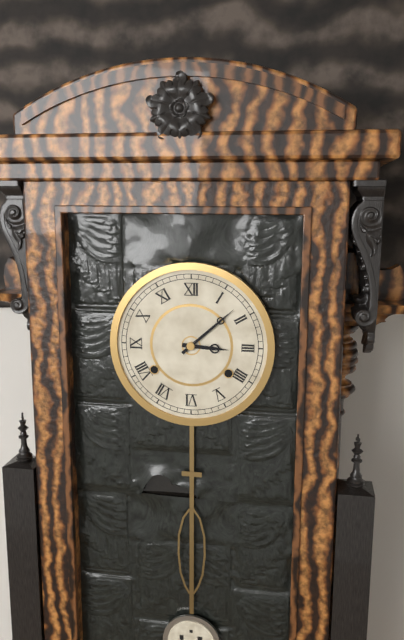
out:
3 h 08 min
